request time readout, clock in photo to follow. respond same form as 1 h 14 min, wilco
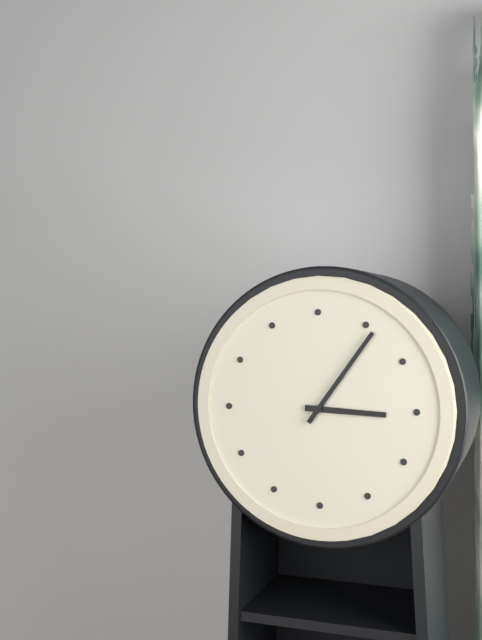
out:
3 h 06 min
